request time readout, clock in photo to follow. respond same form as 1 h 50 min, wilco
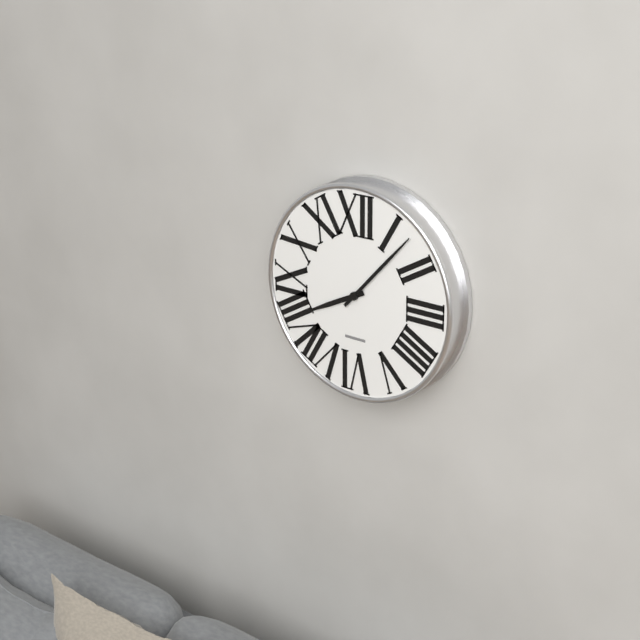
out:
8 h 07 min
